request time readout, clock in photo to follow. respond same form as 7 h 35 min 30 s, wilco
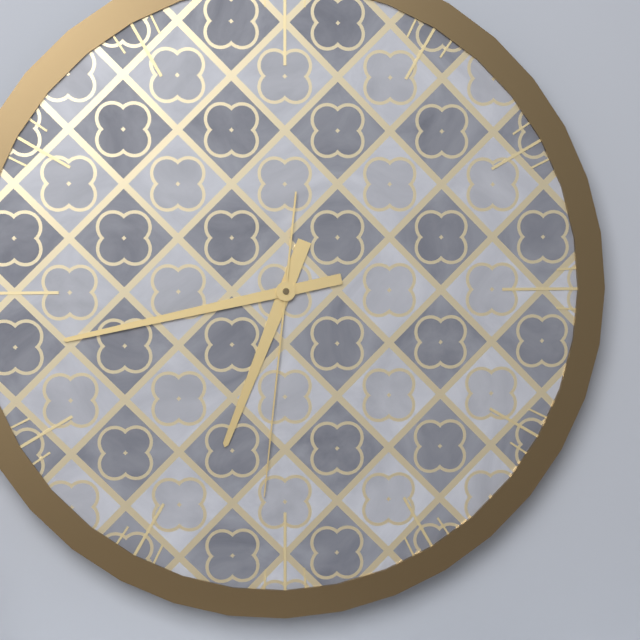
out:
6 h 43 min 31 s
